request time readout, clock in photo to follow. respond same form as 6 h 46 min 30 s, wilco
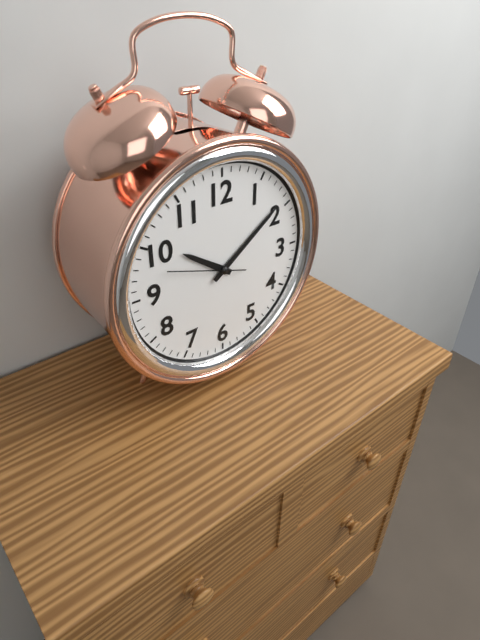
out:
10 h 09 min 48 s
